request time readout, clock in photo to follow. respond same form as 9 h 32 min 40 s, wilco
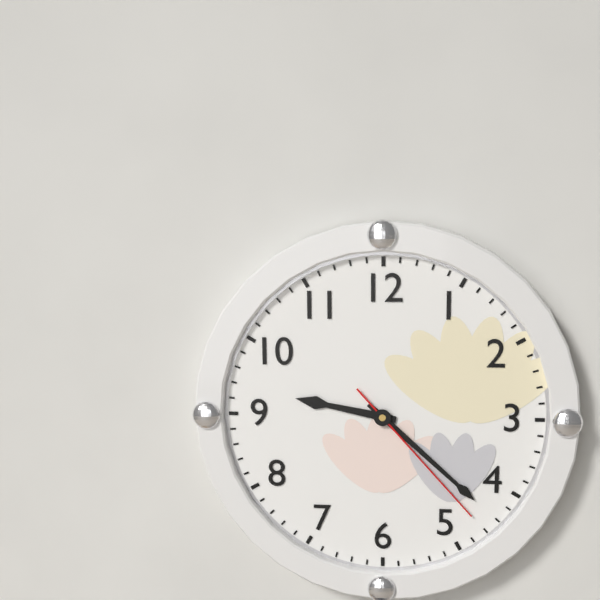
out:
9 h 22 min 23 s
